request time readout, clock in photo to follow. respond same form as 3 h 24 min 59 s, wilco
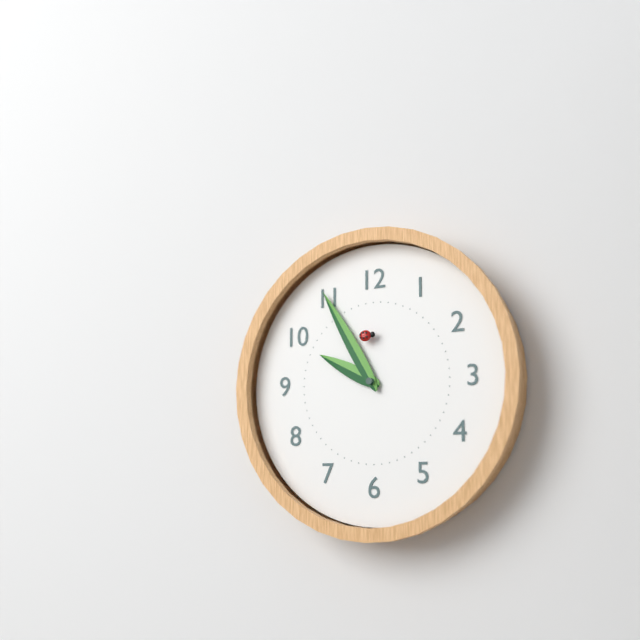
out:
9 h 55 min 59 s
